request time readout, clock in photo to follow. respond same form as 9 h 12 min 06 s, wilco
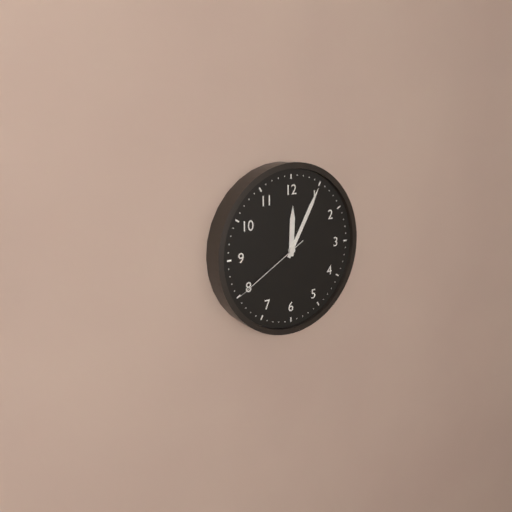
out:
12 h 05 min 40 s
